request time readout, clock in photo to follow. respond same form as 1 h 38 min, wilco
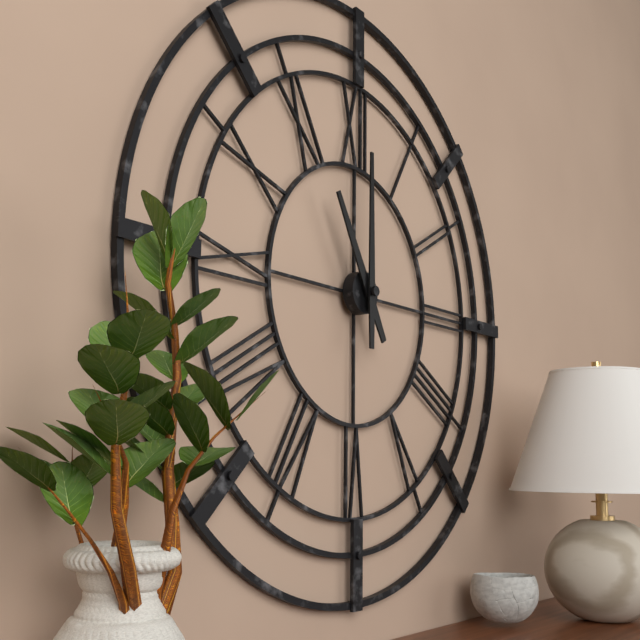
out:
11 h 00 min
